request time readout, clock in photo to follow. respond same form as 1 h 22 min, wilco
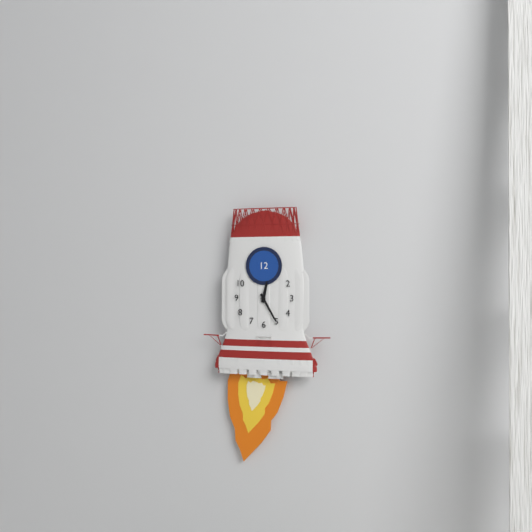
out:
12 h 25 min
